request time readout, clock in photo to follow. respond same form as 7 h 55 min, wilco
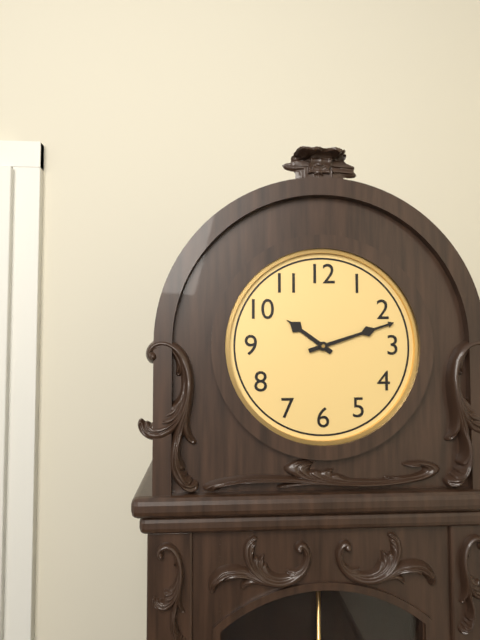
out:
10 h 12 min
